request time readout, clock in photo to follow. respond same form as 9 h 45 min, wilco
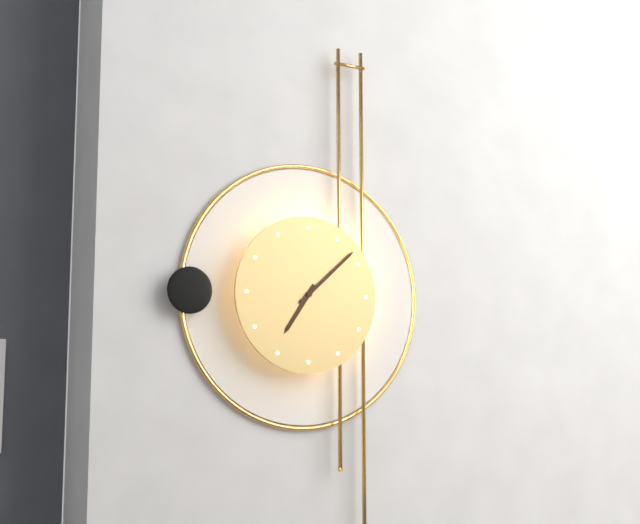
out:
7 h 08 min
